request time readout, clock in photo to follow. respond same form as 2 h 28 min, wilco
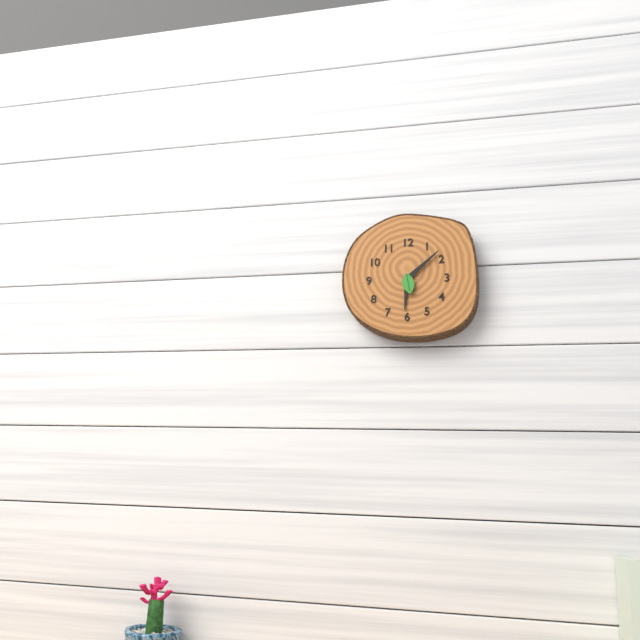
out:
6 h 08 min
